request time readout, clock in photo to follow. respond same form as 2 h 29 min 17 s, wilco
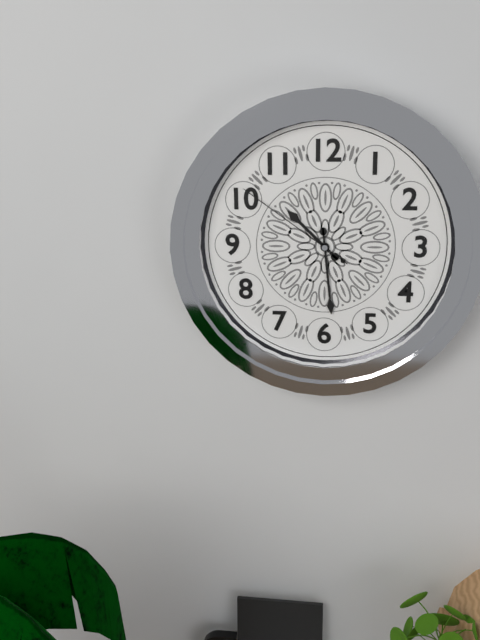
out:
10 h 29 min 51 s
